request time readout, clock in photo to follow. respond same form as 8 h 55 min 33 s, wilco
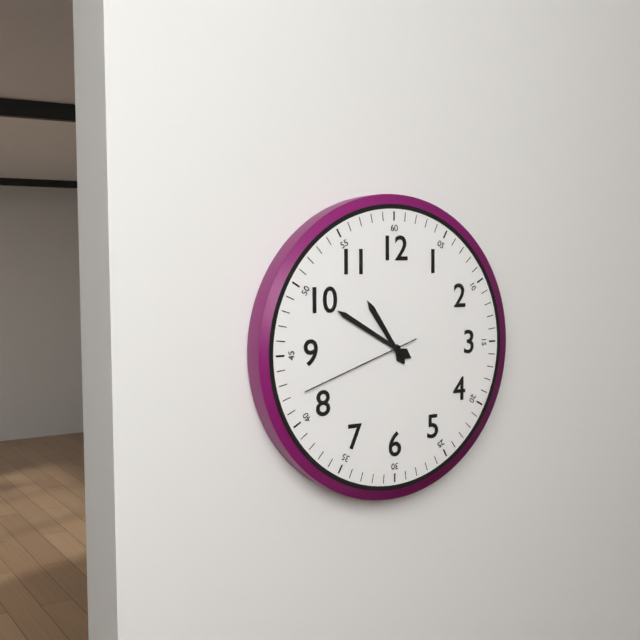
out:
10 h 50 min 42 s
